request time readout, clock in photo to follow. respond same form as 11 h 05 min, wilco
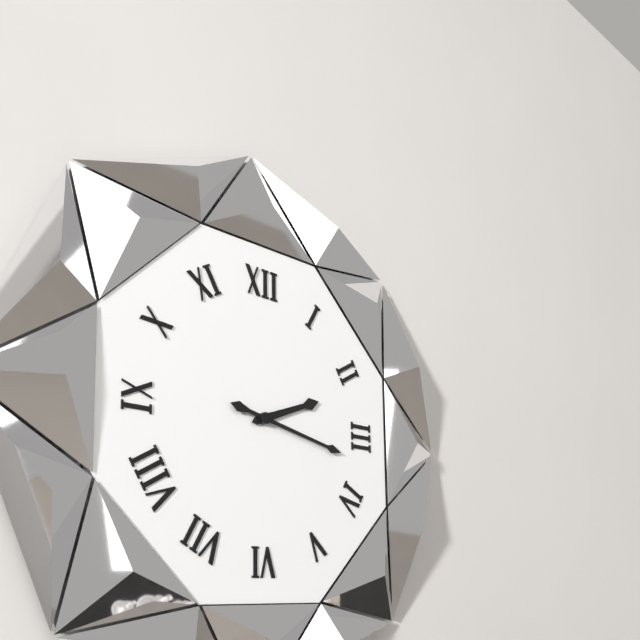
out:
2 h 17 min
